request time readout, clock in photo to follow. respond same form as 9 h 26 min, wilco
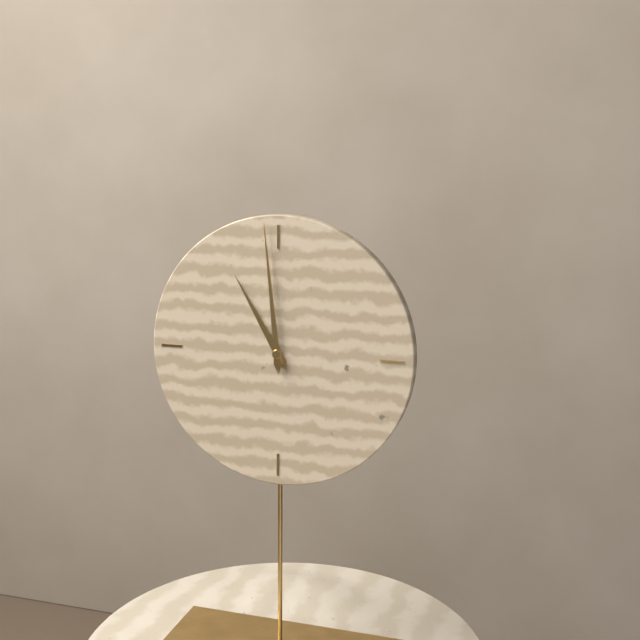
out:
10 h 59 min
